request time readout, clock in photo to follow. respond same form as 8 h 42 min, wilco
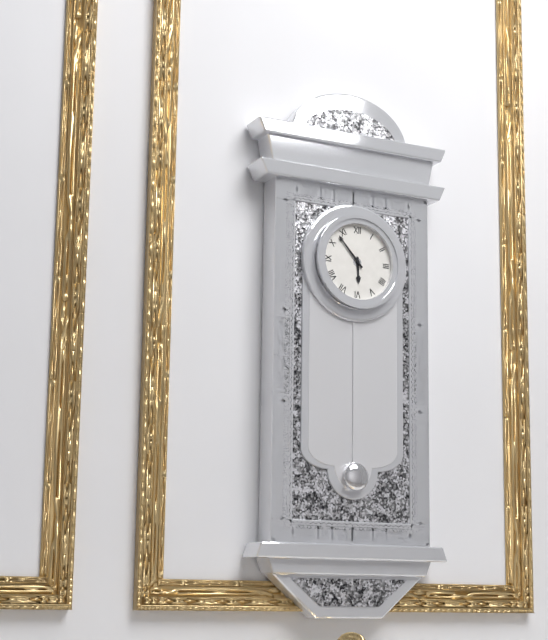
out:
5 h 53 min
